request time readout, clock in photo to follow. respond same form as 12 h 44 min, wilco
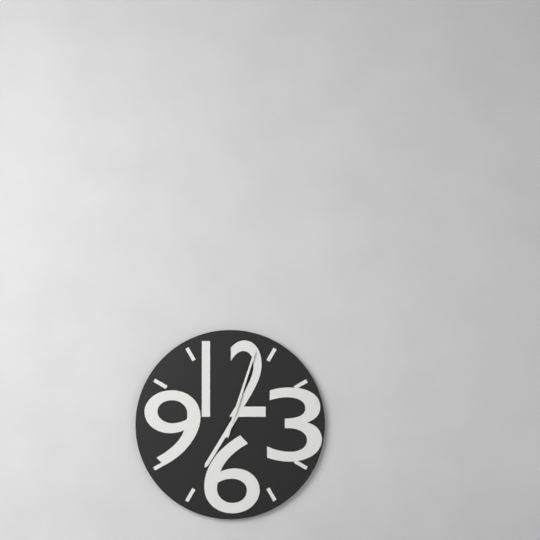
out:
7 h 03 min
